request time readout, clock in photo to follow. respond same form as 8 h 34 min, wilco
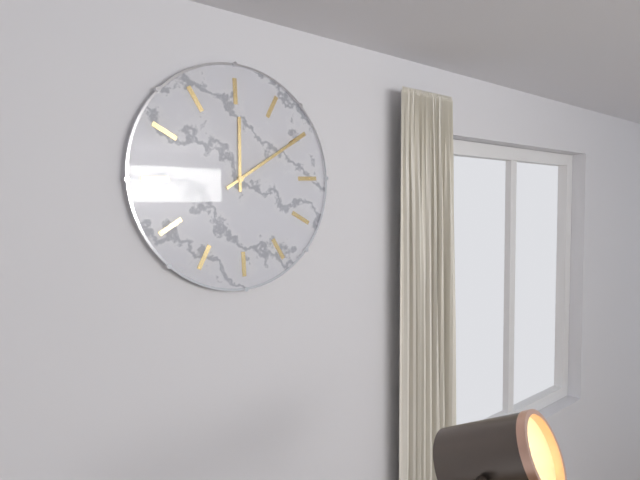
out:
11 h 05 min
